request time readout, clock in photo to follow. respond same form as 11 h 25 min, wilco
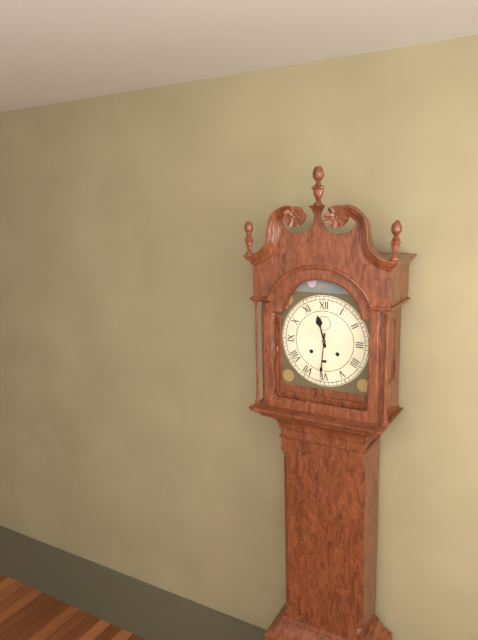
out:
11 h 31 min
